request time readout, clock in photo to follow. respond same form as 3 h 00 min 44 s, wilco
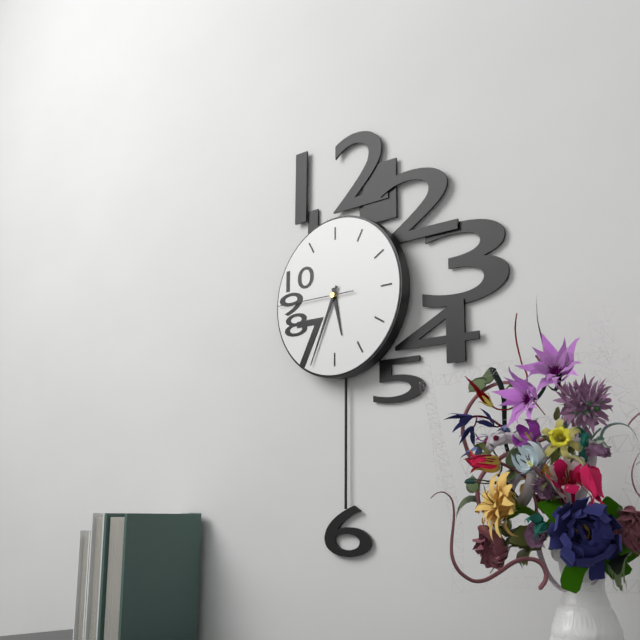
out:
5 h 34 min 45 s
